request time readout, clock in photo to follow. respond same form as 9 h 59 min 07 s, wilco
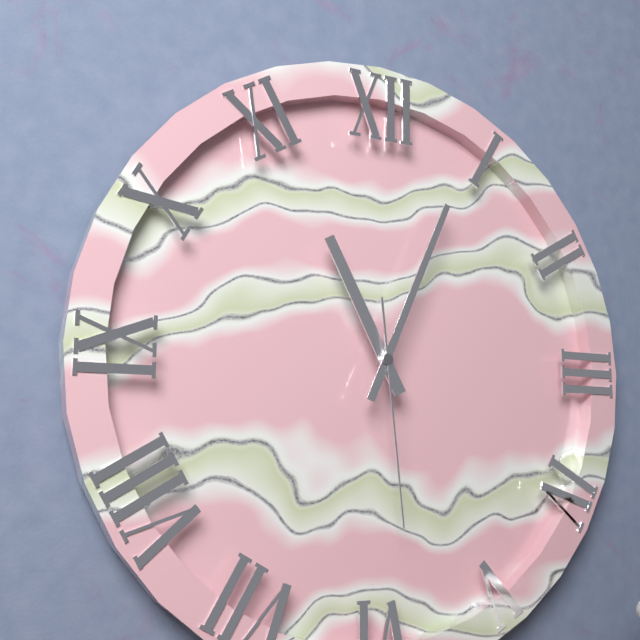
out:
11 h 04 min 29 s
